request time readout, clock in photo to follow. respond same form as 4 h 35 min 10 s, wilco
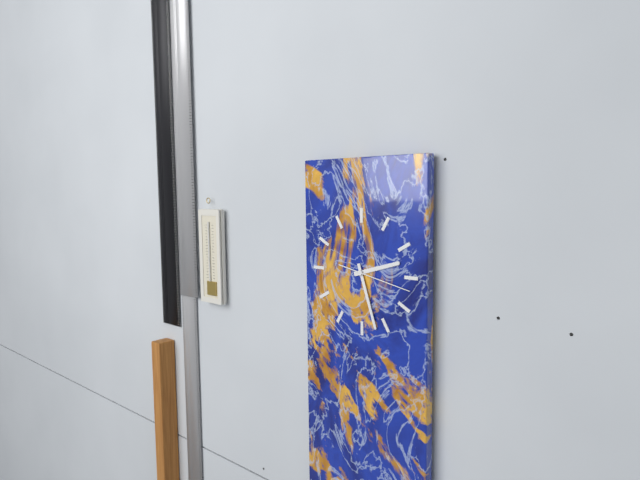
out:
2 h 27 min 17 s
